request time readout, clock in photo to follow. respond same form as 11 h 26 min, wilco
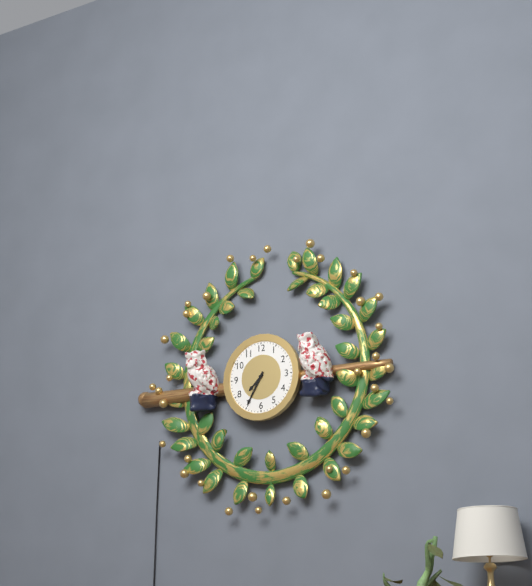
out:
7 h 35 min
